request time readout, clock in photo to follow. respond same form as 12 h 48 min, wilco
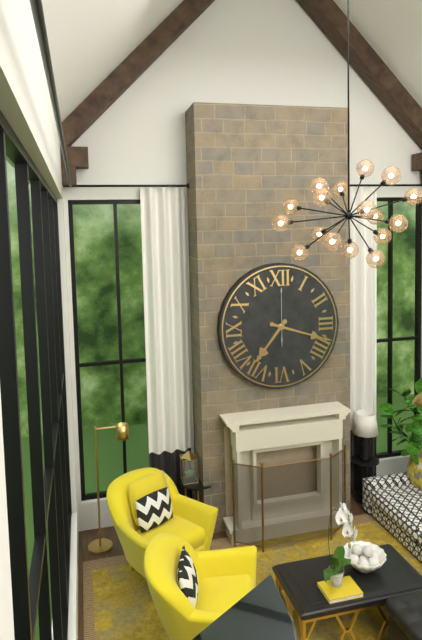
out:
7 h 18 min
